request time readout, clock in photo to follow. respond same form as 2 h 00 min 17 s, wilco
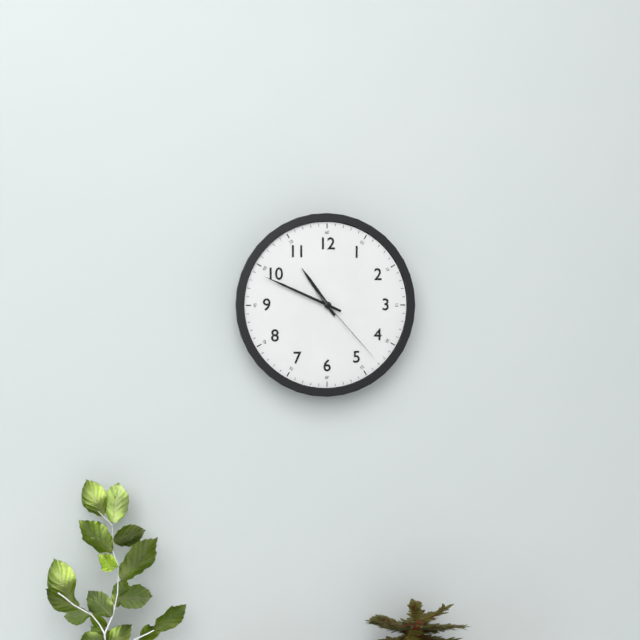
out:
10 h 49 min 23 s
